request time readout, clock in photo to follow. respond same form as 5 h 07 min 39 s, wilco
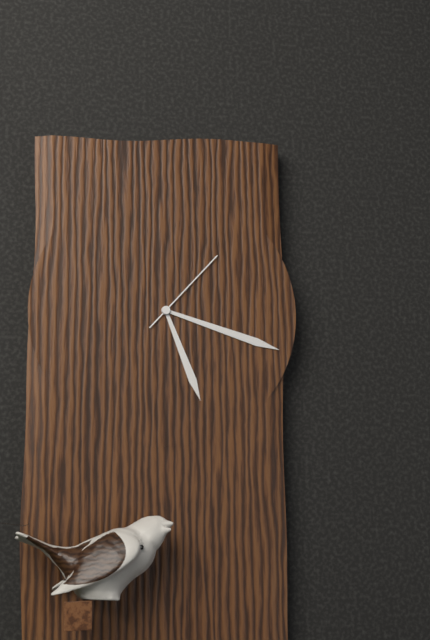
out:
5 h 18 min 07 s
